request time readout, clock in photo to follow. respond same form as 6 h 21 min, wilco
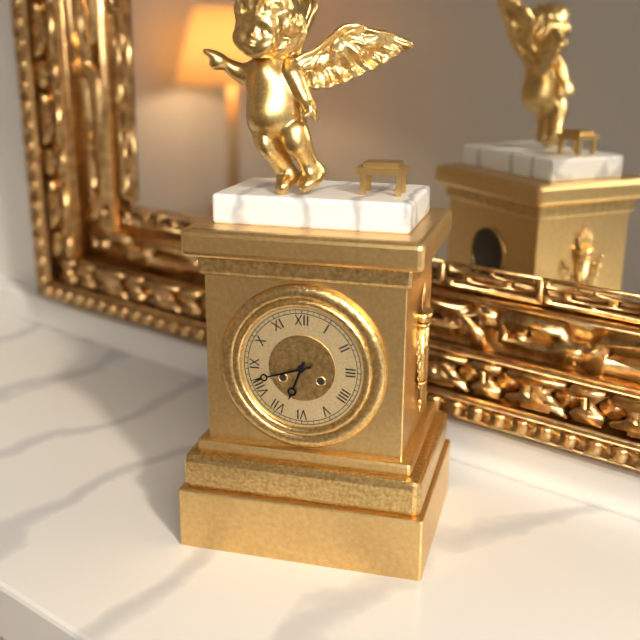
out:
6 h 42 min
